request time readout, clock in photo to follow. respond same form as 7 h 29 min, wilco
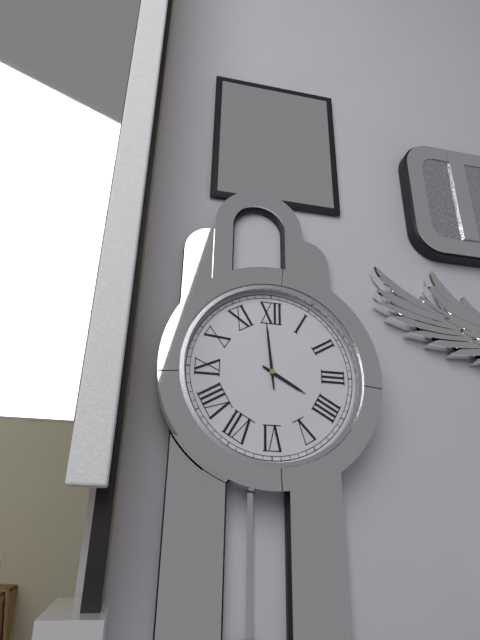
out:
3 h 59 min
